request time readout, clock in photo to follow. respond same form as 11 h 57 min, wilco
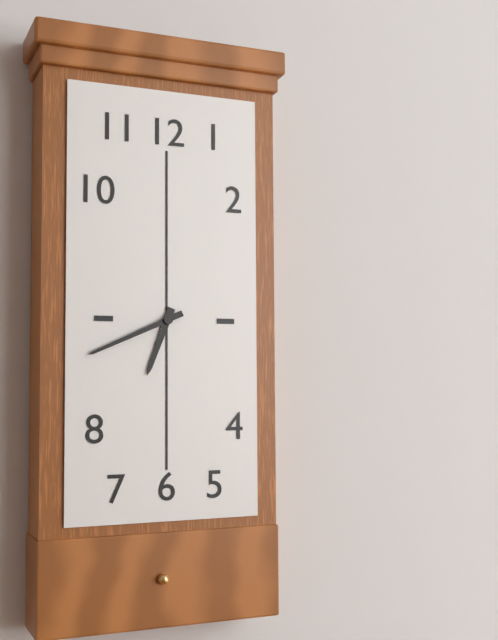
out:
6 h 41 min
